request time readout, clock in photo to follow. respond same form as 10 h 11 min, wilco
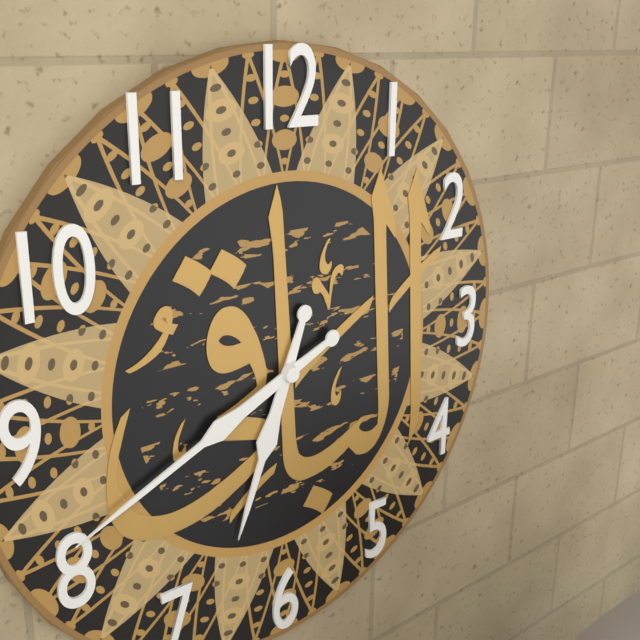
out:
6 h 41 min
